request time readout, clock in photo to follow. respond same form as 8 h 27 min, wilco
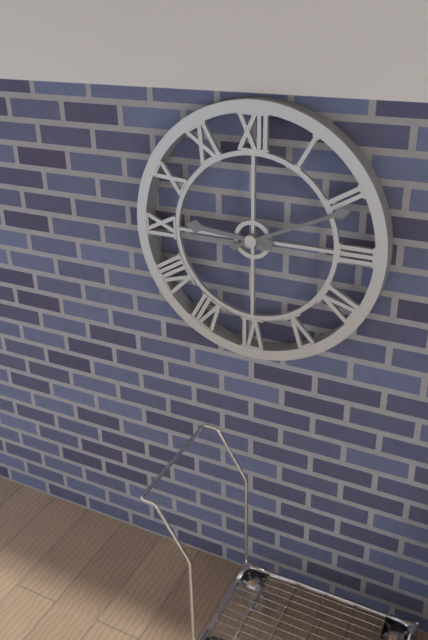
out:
9 h 11 min
